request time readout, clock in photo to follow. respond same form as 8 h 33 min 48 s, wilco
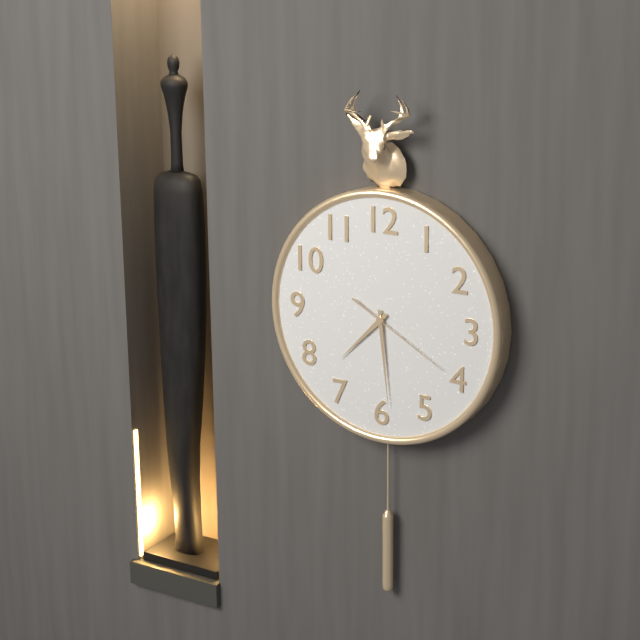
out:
7 h 29 min 20 s
